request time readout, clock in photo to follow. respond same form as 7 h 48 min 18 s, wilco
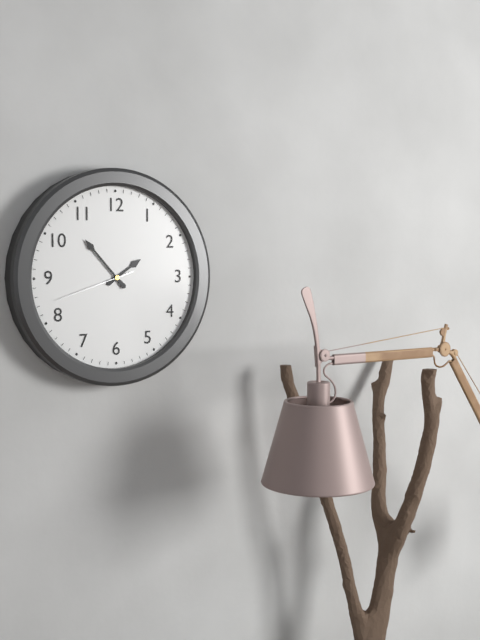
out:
1 h 53 min 42 s
